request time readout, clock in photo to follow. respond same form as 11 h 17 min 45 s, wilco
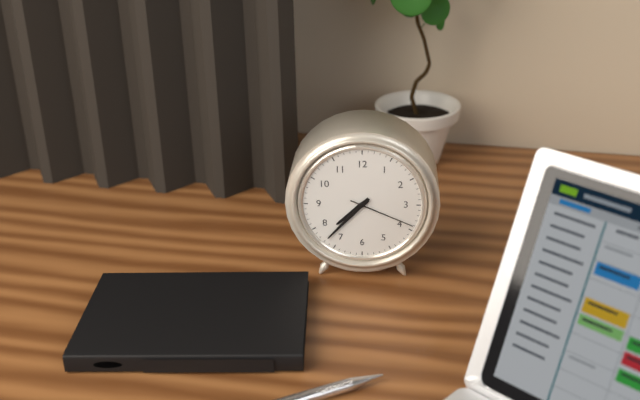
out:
7 h 37 min 19 s
